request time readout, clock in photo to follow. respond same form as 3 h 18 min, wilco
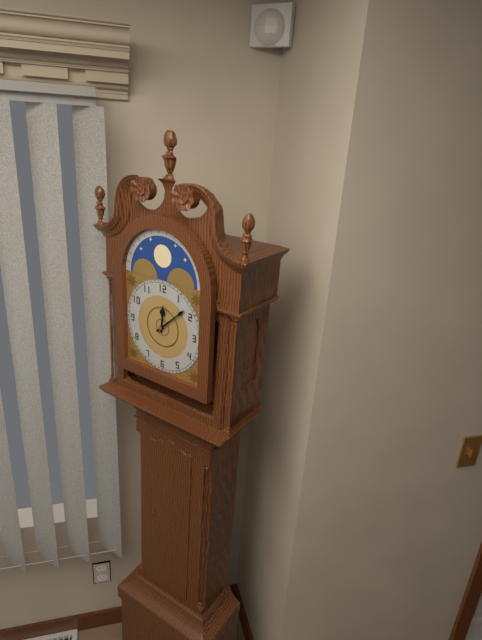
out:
12 h 08 min
